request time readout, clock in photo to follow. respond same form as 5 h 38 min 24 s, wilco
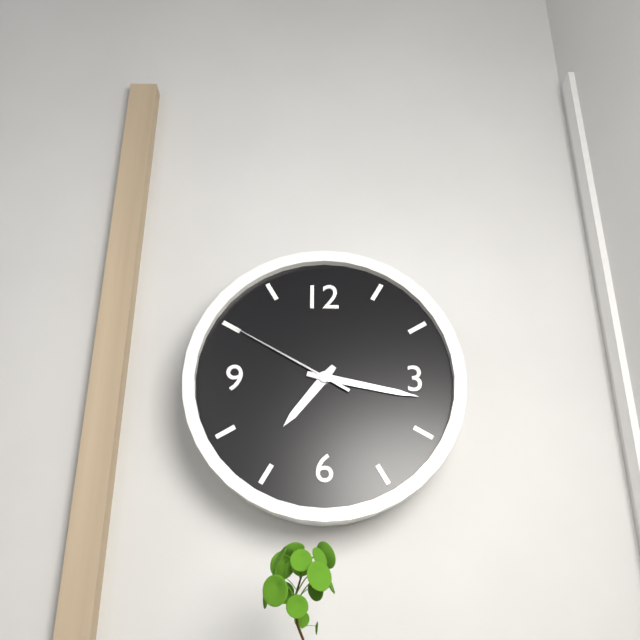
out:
7 h 17 min 50 s
